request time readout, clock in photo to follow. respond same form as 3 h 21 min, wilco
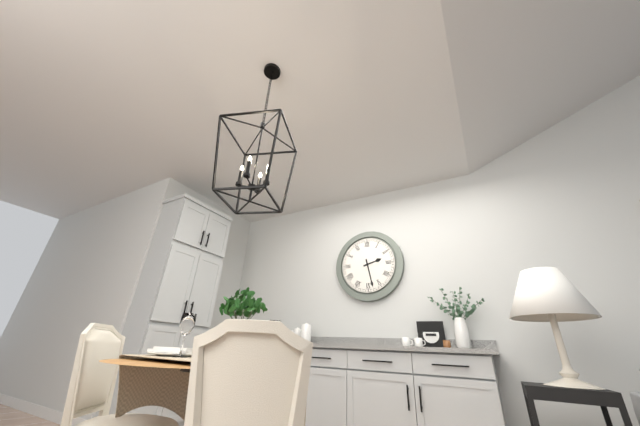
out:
2 h 28 min
